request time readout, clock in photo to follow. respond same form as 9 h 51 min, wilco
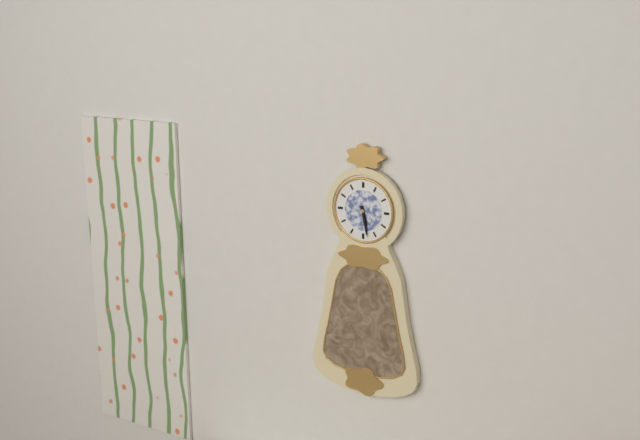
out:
5 h 28 min
